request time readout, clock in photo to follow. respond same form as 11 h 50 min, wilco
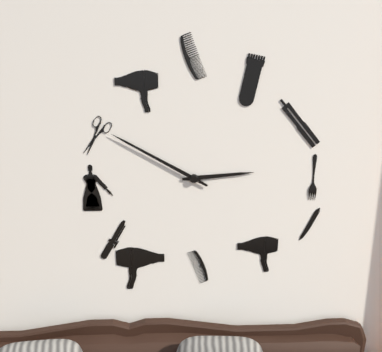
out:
2 h 50 min
